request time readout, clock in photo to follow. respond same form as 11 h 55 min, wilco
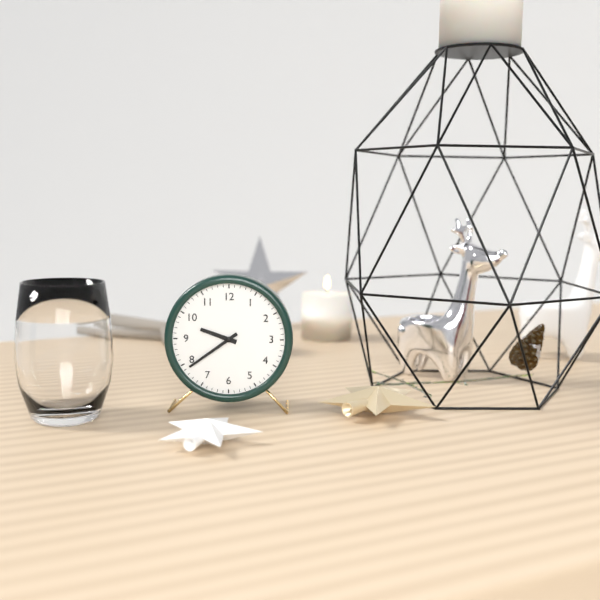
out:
9 h 39 min
